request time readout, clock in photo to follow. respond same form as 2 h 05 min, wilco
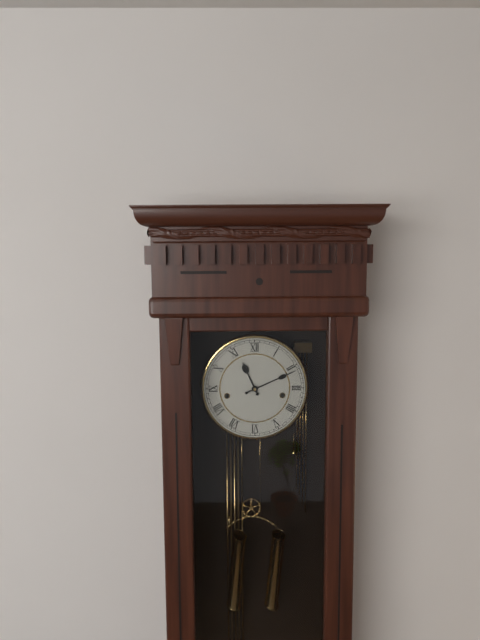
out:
11 h 11 min
